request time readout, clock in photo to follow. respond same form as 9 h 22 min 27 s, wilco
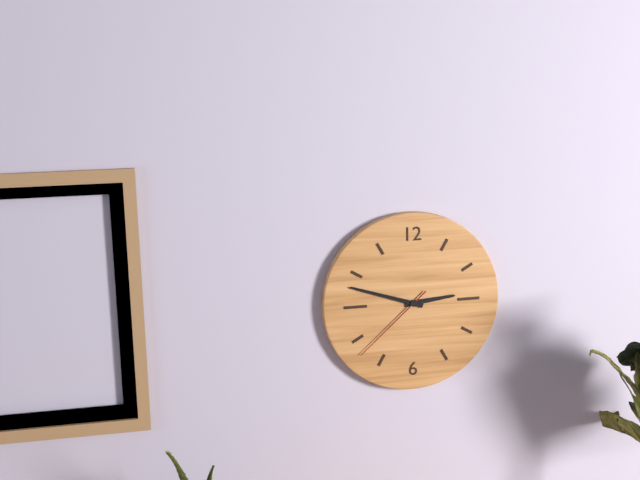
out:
2 h 48 min 38 s
